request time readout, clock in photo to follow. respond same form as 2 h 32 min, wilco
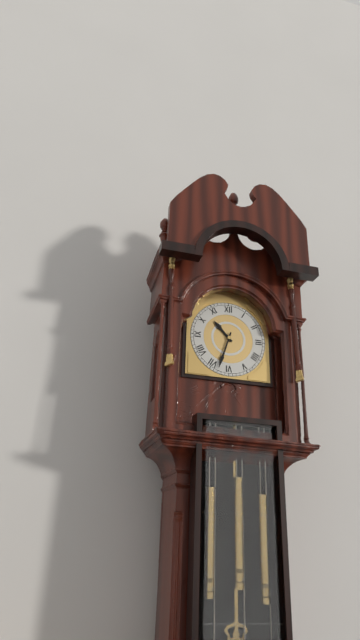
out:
10 h 33 min
